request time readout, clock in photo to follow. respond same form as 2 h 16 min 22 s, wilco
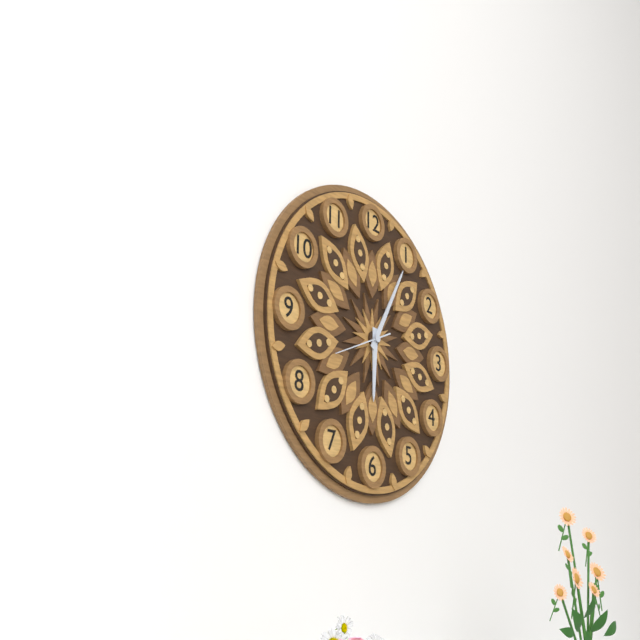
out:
6 h 05 min 41 s
